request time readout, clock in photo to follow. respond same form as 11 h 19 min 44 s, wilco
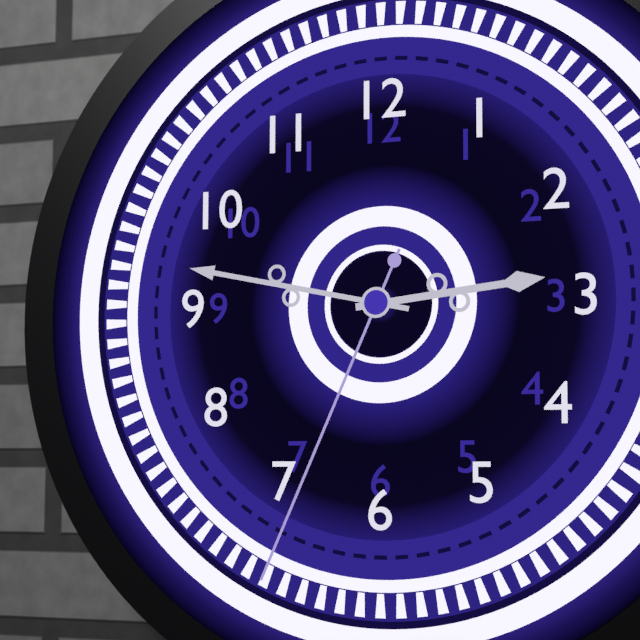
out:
2 h 47 min 34 s
